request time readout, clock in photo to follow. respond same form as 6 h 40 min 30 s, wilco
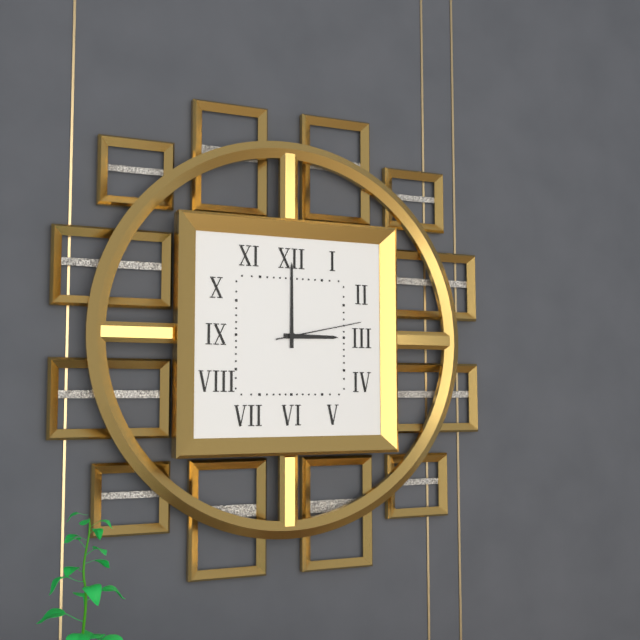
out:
3 h 00 min 13 s
